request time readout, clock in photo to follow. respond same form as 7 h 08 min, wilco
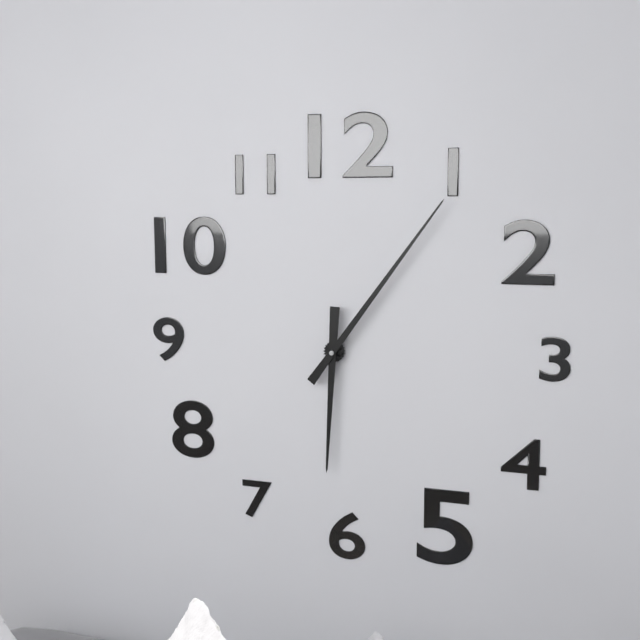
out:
6 h 06 min
